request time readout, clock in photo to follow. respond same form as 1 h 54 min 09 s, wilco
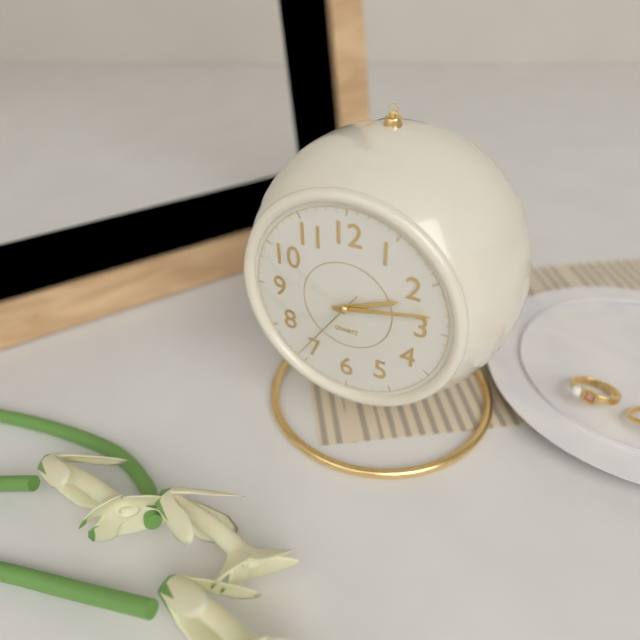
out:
2 h 13 min 36 s
